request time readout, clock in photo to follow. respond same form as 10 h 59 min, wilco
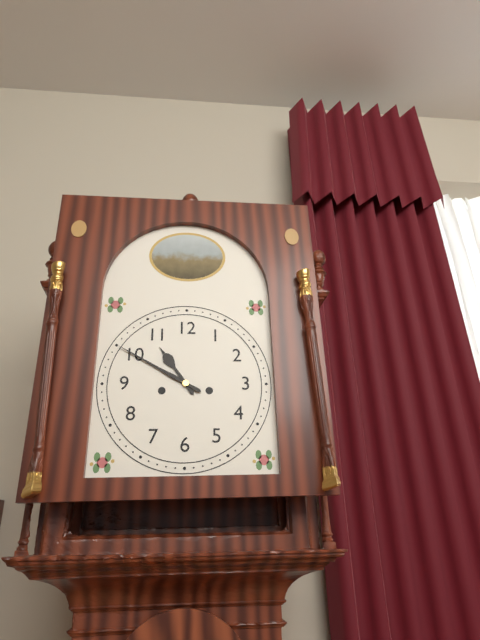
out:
10 h 50 min
